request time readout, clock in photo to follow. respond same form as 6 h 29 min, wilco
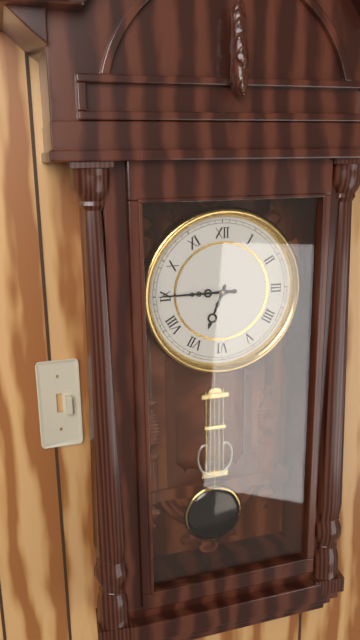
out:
6 h 45 min
